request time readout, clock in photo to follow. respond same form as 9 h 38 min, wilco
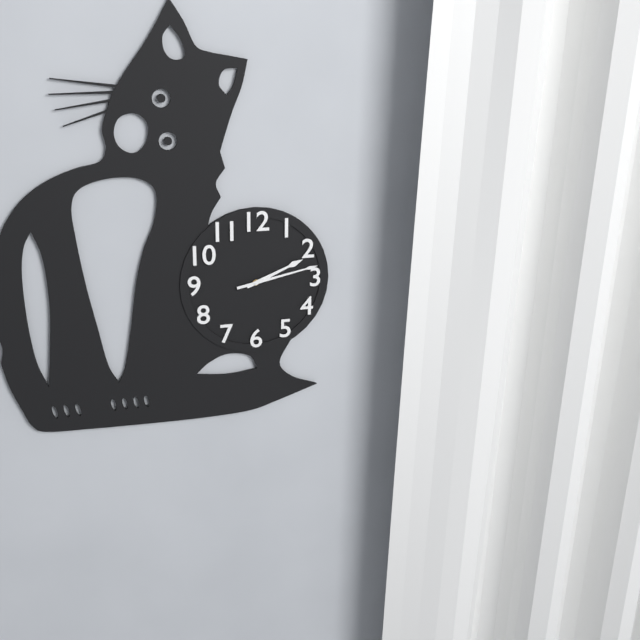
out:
2 h 13 min
